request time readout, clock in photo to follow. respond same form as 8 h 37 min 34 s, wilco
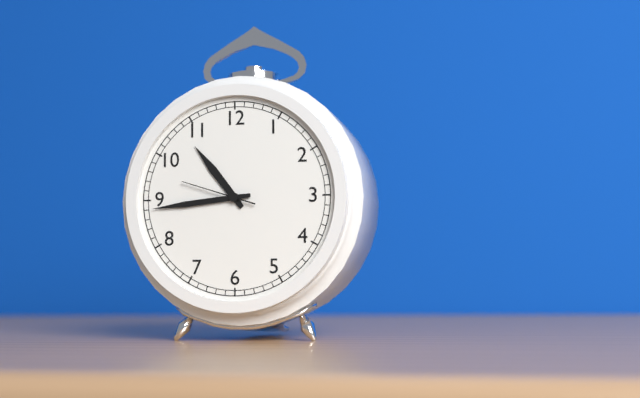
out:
10 h 44 min 48 s
